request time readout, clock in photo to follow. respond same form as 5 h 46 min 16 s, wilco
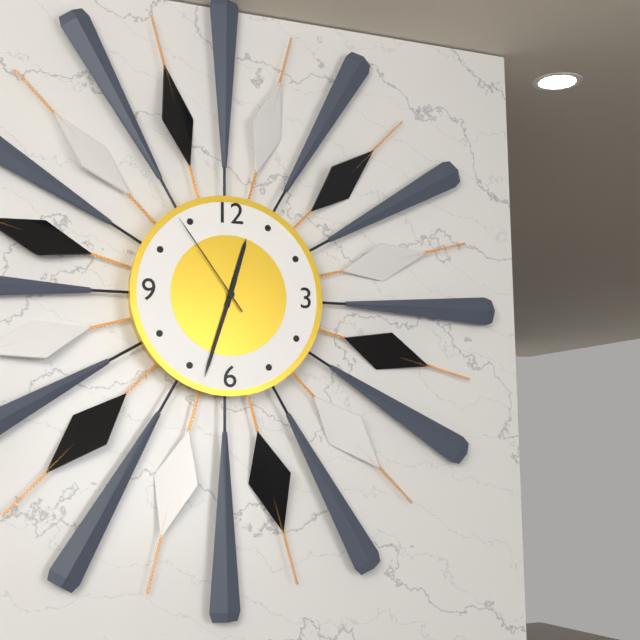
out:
12 h 33 min 54 s
